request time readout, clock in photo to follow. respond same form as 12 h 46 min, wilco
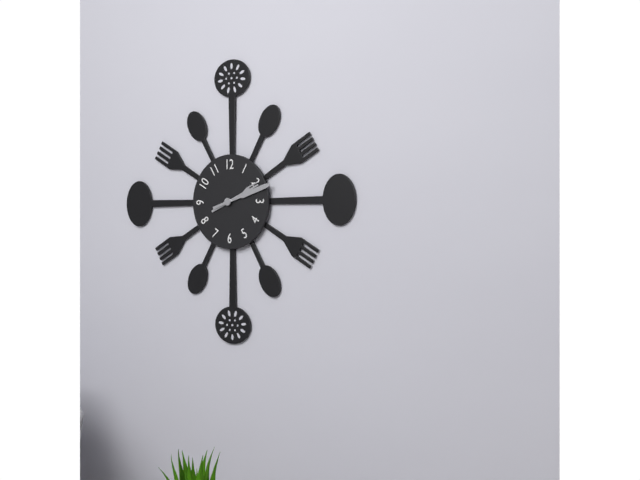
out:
2 h 12 min
